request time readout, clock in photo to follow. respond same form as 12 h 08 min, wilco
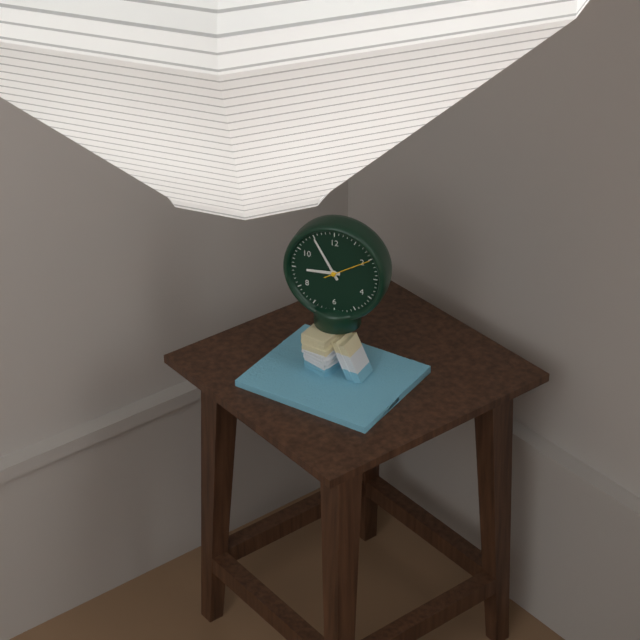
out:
8 h 55 min
